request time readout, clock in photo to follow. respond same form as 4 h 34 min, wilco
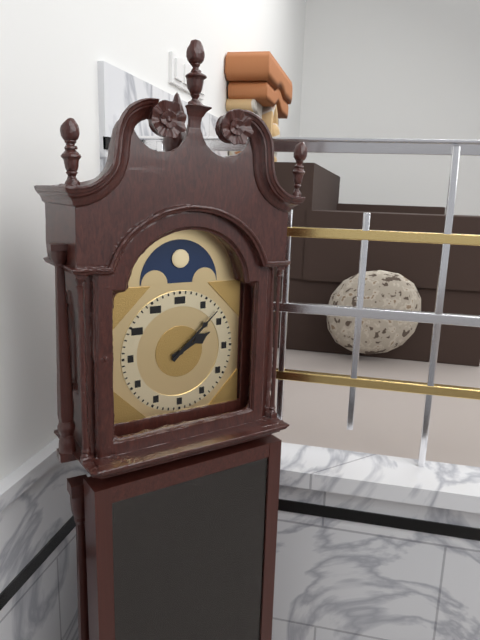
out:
2 h 08 min
